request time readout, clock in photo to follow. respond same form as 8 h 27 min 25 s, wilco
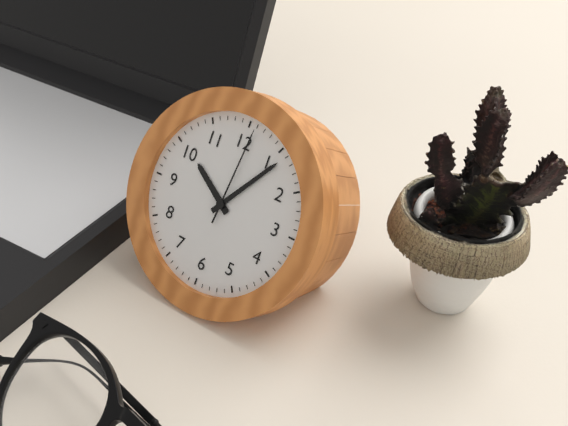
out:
10 h 06 min 01 s
